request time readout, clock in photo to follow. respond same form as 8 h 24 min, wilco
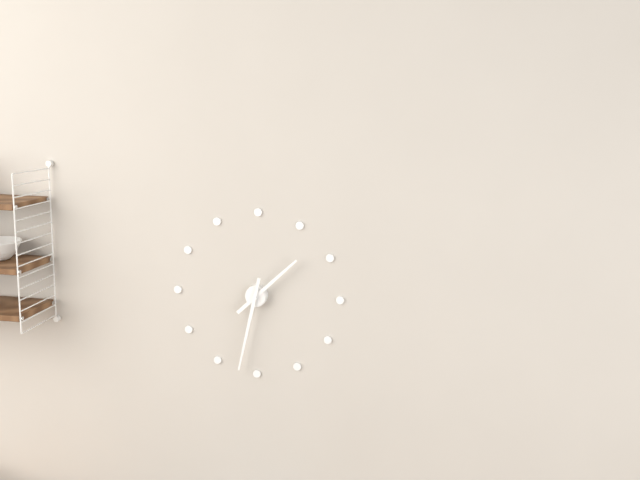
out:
1 h 32 min
